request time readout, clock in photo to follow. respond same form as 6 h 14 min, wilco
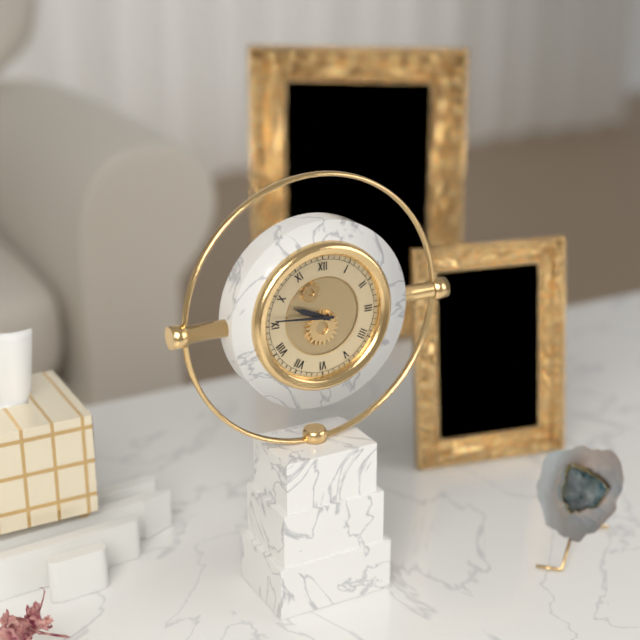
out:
9 h 46 min
